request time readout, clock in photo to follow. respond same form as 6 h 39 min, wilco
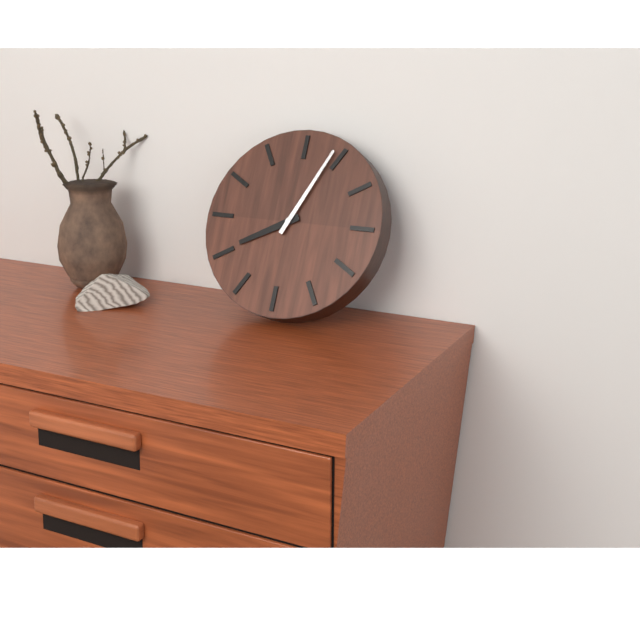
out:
8 h 04 min
